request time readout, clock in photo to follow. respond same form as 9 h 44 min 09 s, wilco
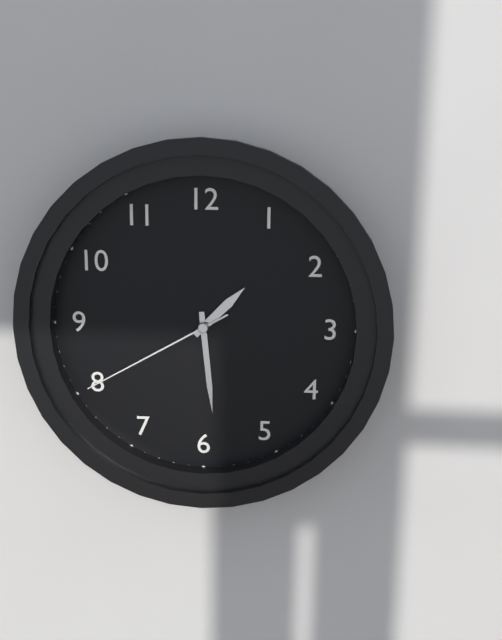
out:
1 h 29 min 40 s
